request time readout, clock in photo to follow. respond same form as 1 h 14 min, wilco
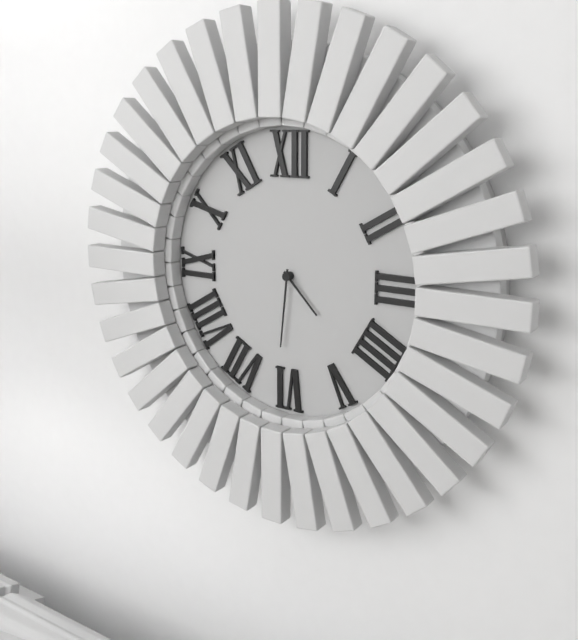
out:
4 h 31 min
